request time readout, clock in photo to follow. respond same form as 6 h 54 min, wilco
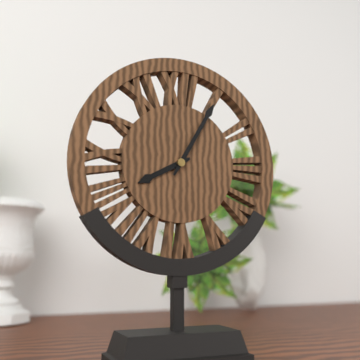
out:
8 h 05 min
